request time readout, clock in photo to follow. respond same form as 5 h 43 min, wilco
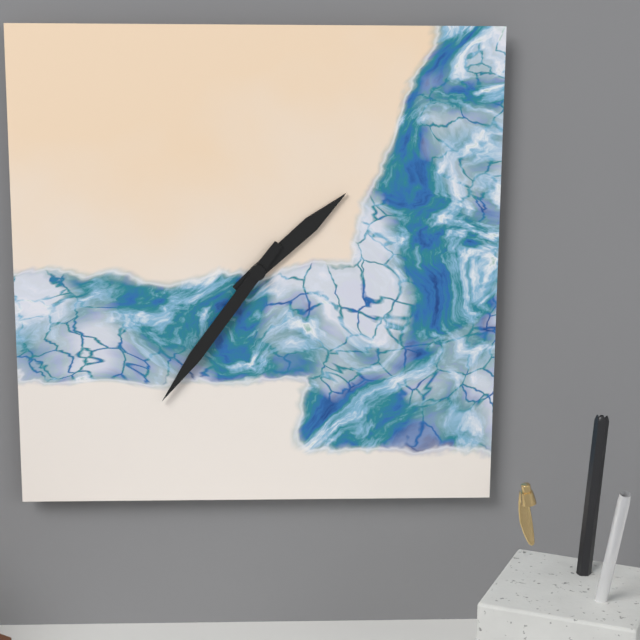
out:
1 h 36 min
